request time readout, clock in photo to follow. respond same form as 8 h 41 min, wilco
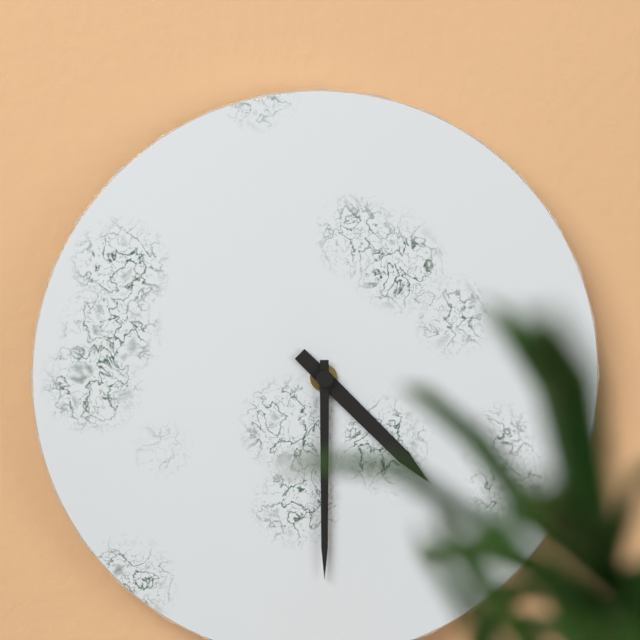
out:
4 h 30 min
